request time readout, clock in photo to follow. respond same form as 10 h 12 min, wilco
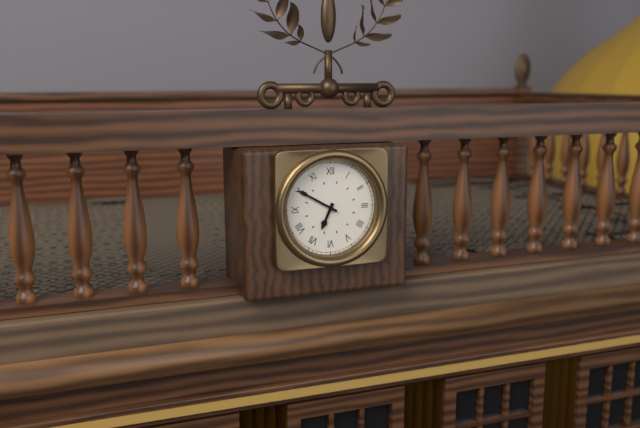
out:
6 h 50 min
